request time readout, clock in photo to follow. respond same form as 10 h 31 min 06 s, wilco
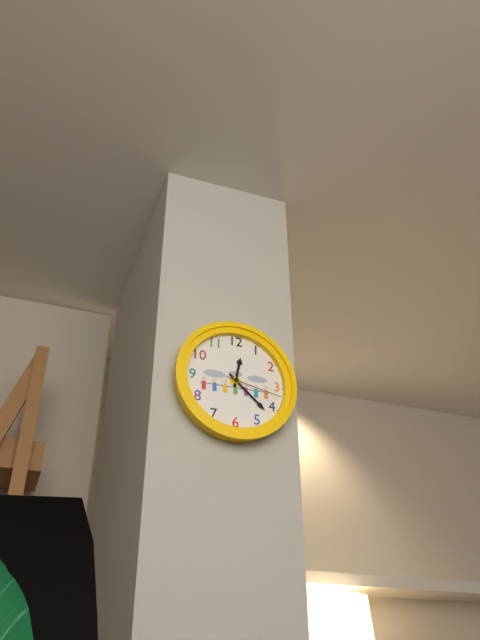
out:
12 h 22 min 17 s
